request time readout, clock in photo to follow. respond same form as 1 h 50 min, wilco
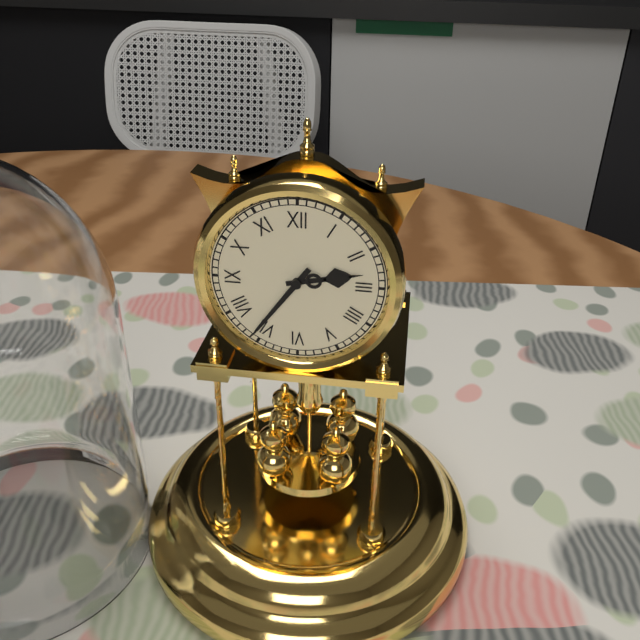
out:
2 h 36 min
